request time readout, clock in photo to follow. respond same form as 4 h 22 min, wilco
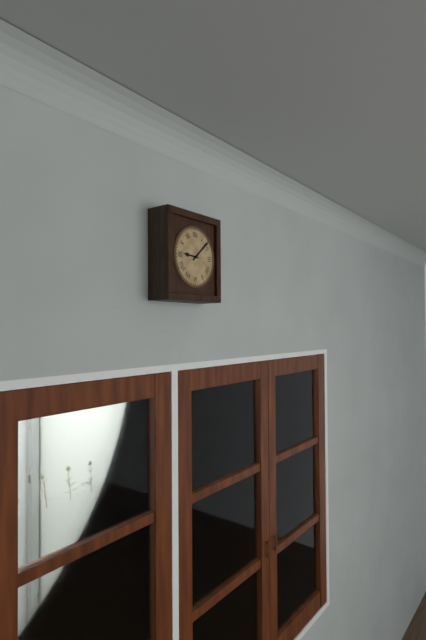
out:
9 h 08 min
